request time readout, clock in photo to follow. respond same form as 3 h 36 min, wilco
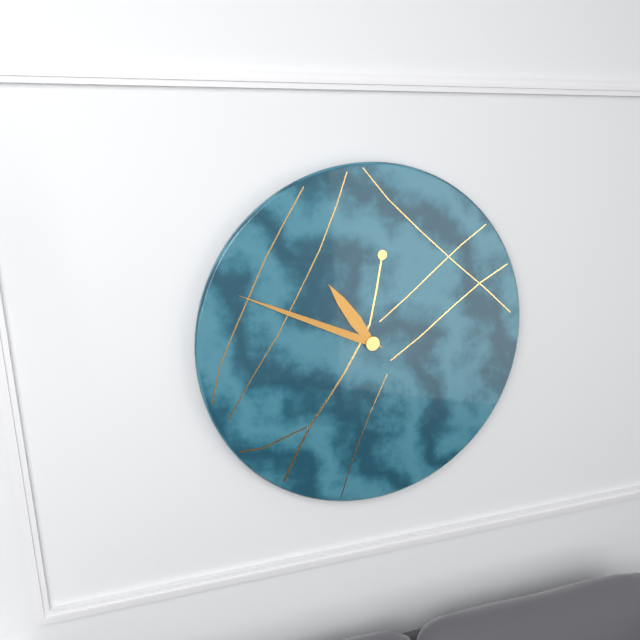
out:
10 h 49 min
